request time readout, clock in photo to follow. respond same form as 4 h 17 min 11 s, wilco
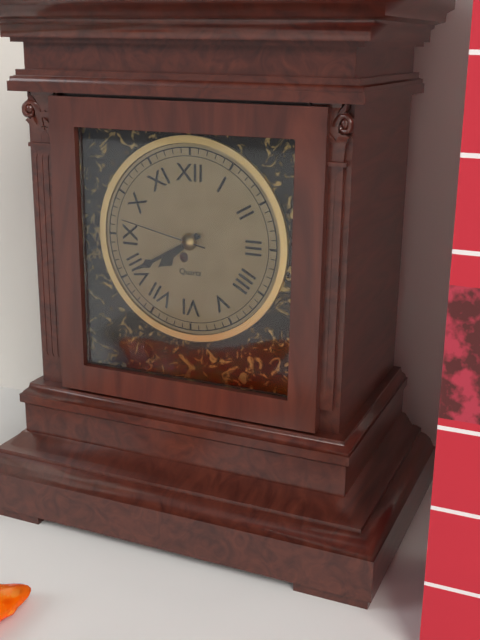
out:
7 h 40 min 47 s
